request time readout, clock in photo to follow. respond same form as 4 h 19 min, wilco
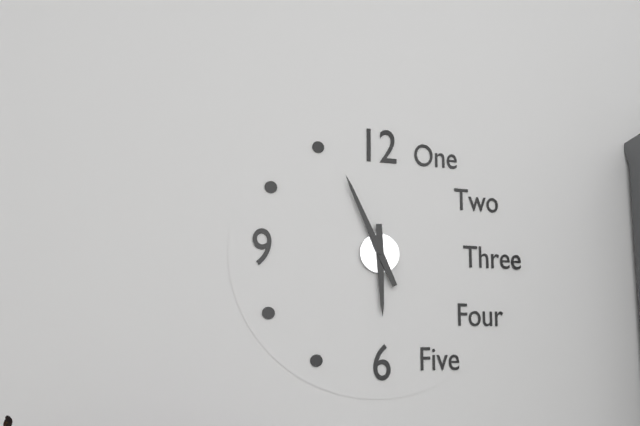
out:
5 h 56 min
